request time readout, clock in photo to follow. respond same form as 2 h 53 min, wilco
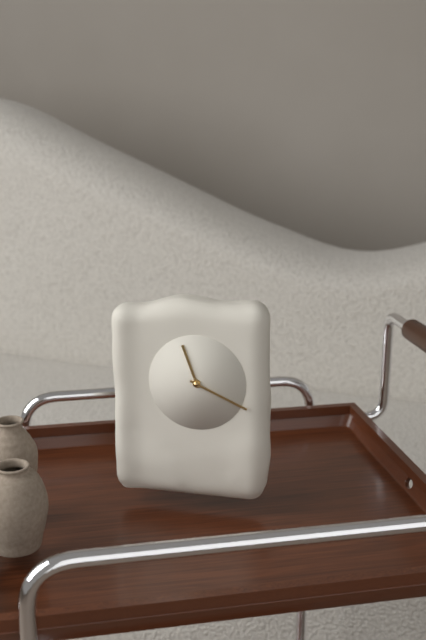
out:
11 h 19 min
